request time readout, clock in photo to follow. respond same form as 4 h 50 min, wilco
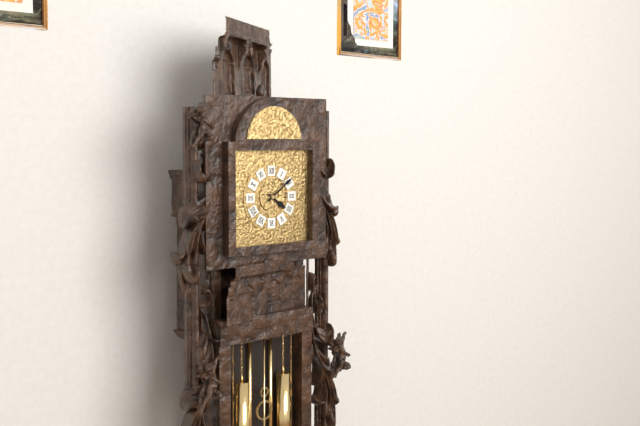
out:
4 h 09 min
